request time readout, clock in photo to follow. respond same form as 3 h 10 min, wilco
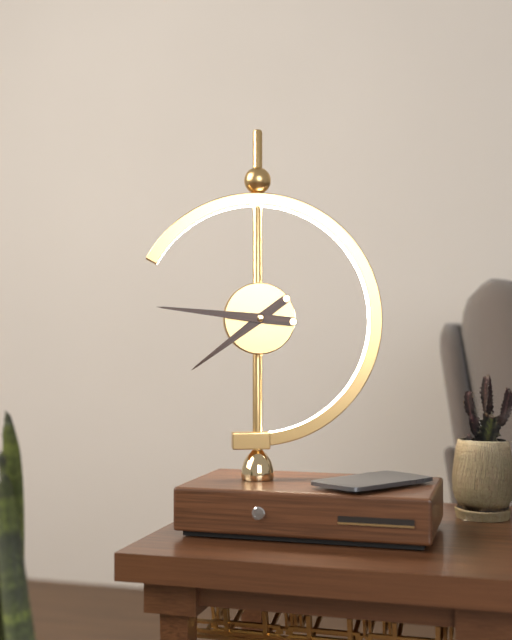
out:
7 h 46 min
